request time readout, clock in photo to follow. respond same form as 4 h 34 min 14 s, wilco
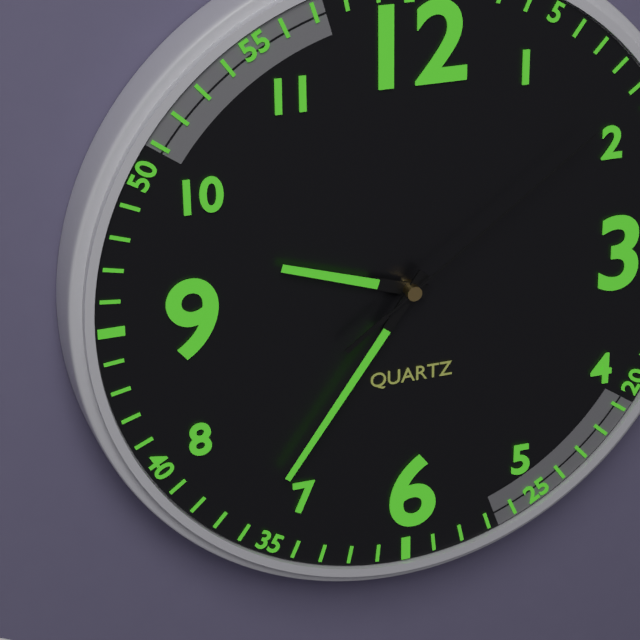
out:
9 h 36 min 09 s
